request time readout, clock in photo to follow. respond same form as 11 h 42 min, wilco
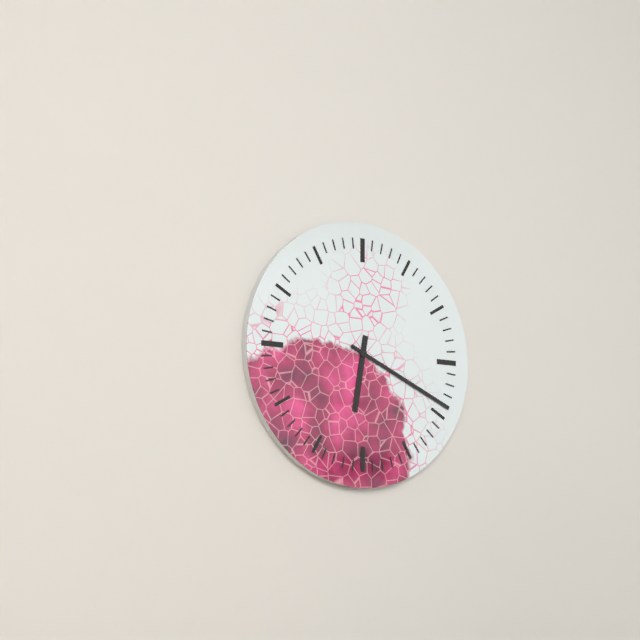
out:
6 h 19 min
